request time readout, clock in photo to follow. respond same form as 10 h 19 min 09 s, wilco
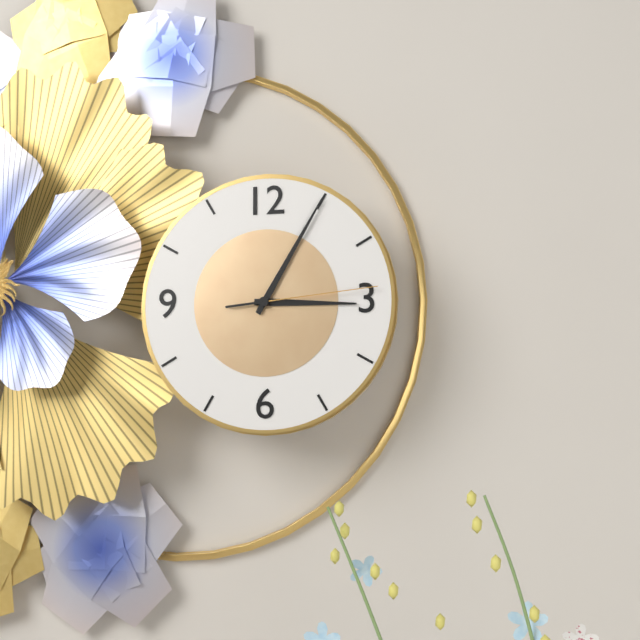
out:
3 h 05 min 14 s
